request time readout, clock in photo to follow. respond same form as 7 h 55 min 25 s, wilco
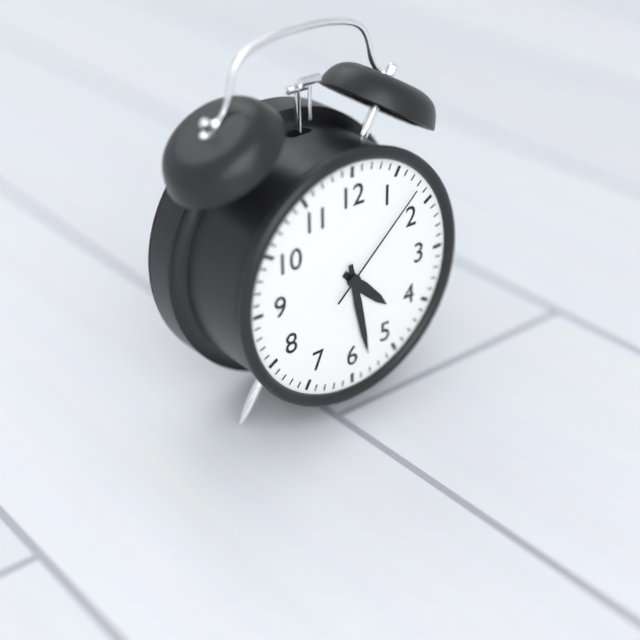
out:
4 h 28 min 08 s
